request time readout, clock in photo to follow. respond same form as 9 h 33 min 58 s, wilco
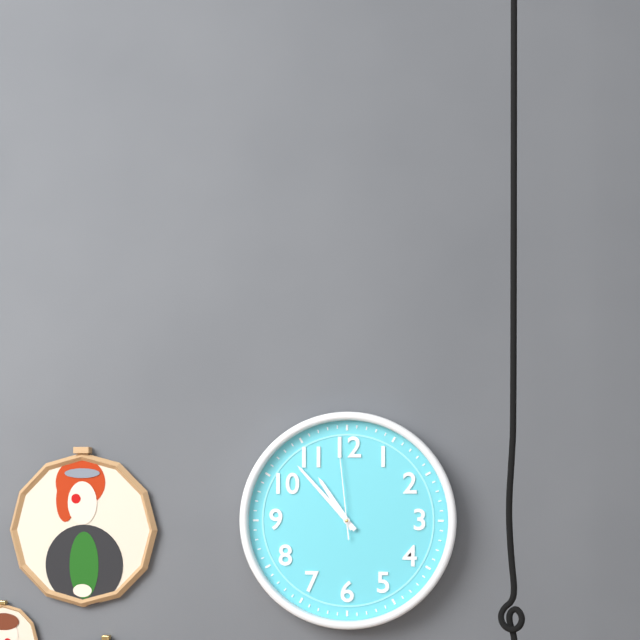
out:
10 h 53 min 59 s
